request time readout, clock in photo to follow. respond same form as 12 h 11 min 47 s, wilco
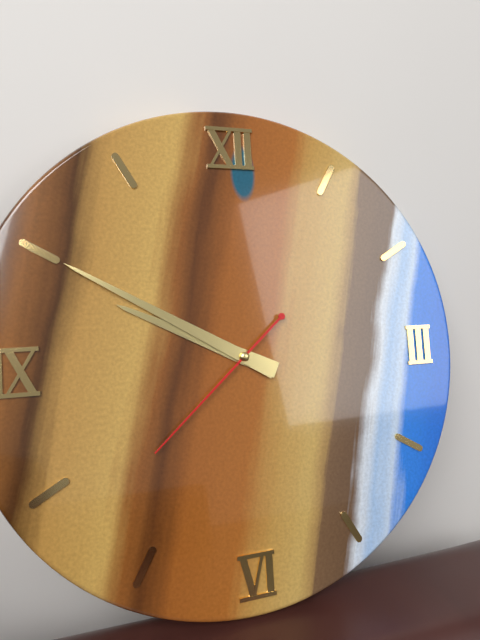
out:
9 h 50 min 38 s
